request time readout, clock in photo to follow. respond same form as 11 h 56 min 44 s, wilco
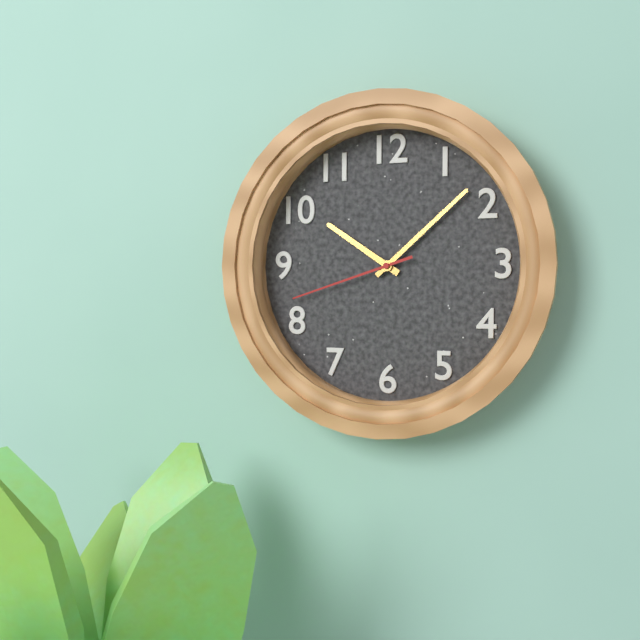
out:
10 h 08 min 42 s
